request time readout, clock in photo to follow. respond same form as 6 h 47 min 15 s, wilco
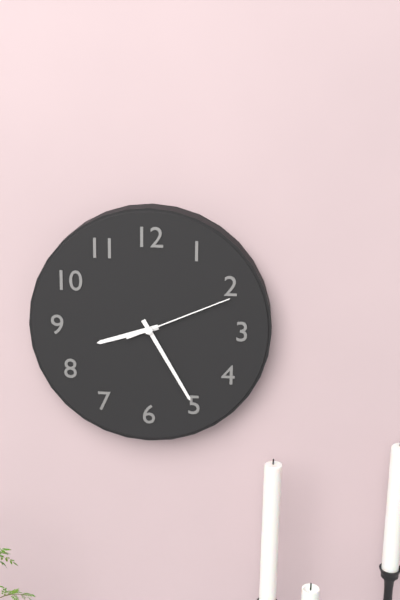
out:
8 h 25 min 11 s
